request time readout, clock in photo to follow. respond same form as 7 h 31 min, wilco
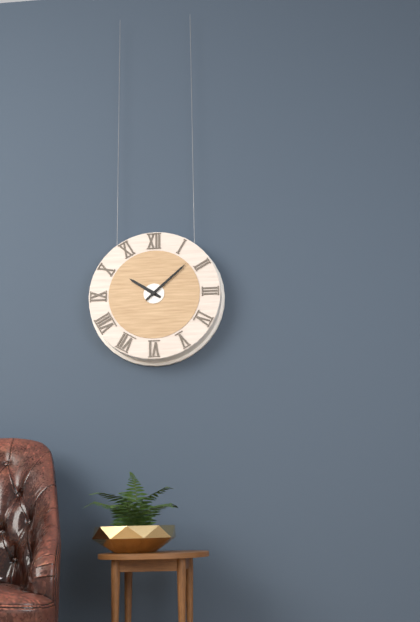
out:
10 h 08 min
